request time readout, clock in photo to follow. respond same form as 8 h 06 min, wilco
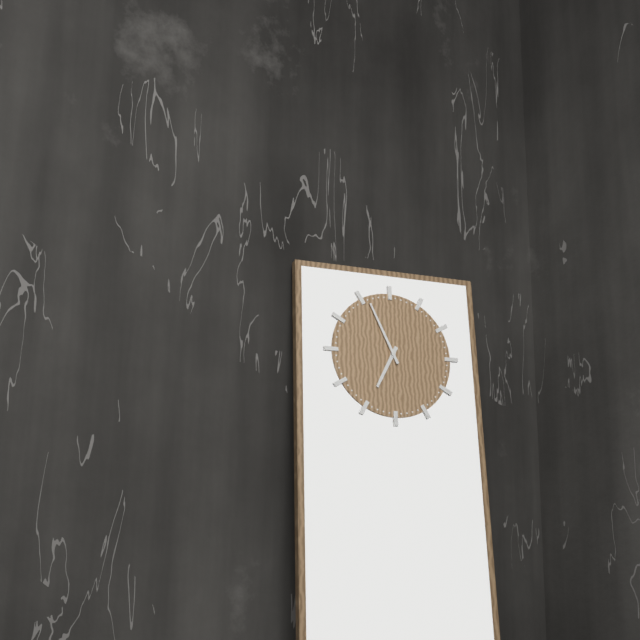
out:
6 h 56 min
